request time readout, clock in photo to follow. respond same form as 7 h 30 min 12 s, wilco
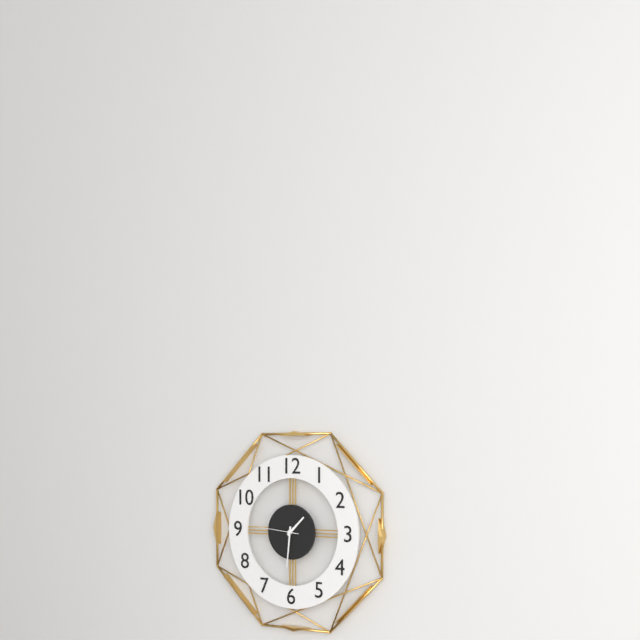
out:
1 h 31 min 46 s
